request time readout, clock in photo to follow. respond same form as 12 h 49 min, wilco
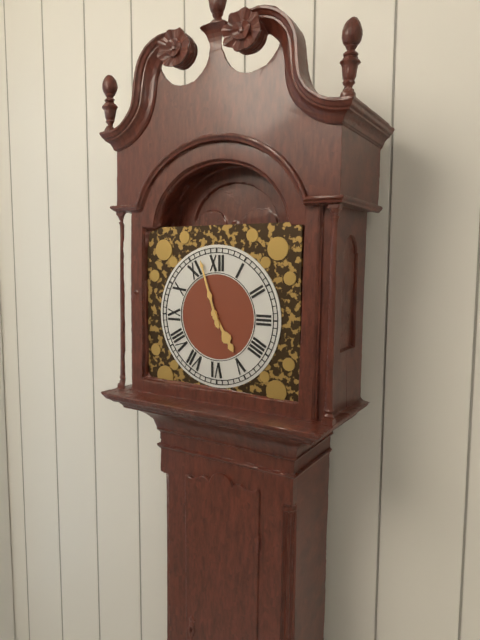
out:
4 h 57 min
